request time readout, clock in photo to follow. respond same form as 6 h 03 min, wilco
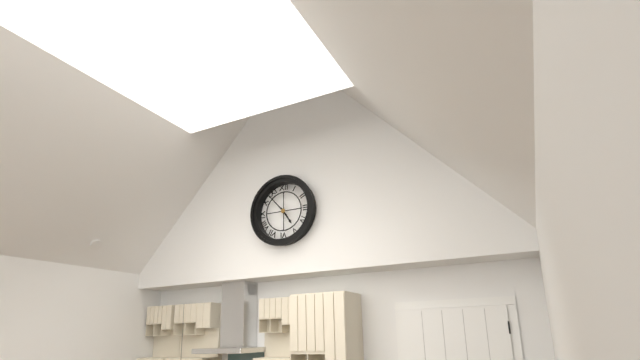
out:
4 h 53 min
